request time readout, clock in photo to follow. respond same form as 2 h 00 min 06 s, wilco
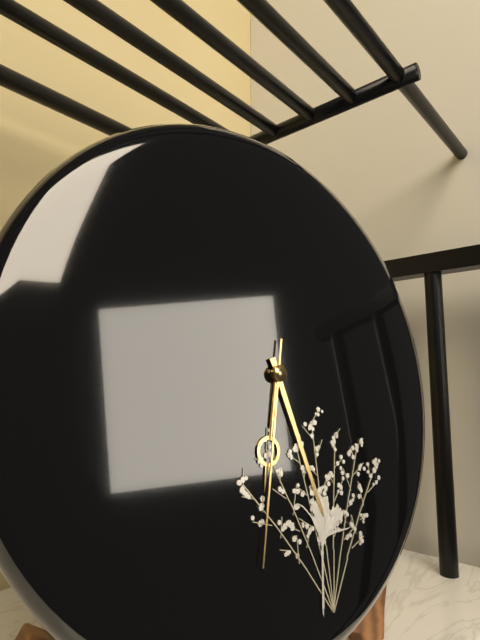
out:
6 h 27 min 32 s
